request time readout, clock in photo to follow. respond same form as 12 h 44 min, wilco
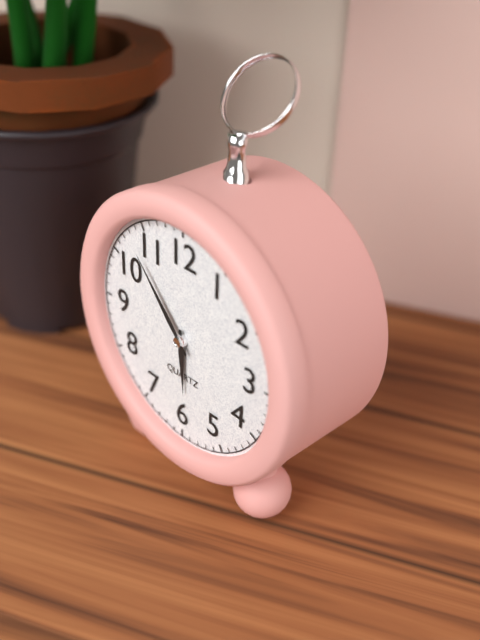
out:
5 h 53 min
